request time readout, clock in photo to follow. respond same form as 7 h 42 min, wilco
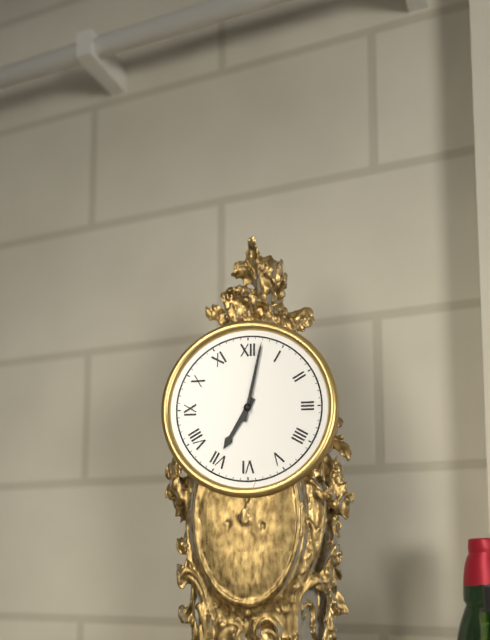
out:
7 h 02 min
